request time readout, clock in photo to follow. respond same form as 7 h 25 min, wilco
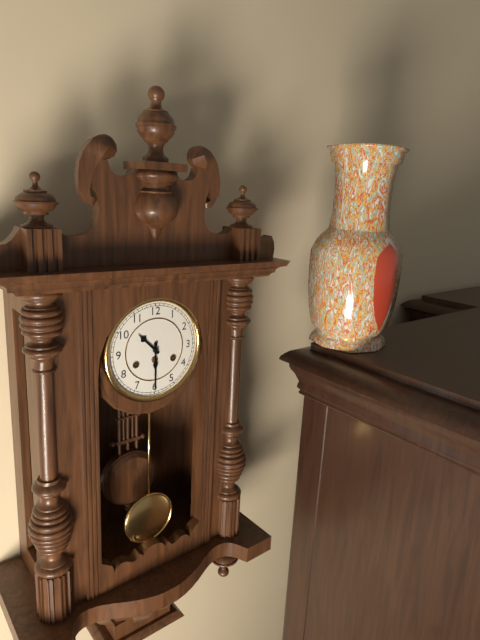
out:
10 h 30 min
